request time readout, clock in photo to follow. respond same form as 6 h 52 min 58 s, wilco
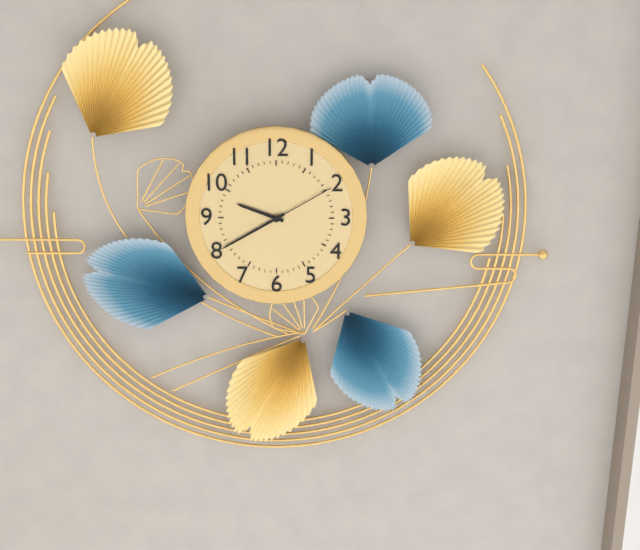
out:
9 h 40 min 10 s
